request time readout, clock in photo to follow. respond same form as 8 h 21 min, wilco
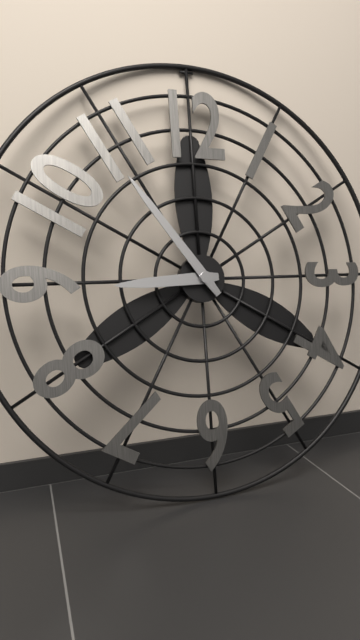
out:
8 h 54 min
